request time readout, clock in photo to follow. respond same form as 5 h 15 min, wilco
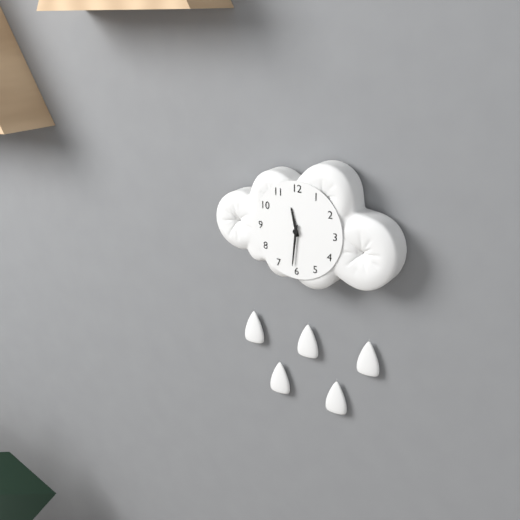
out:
11 h 31 min
